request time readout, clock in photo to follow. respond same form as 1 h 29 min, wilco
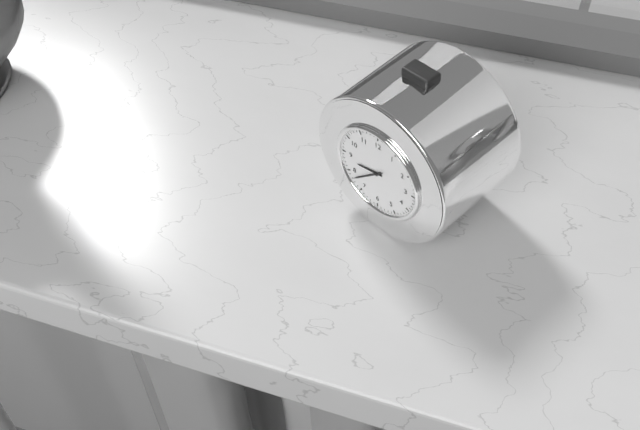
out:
8 h 38 min
